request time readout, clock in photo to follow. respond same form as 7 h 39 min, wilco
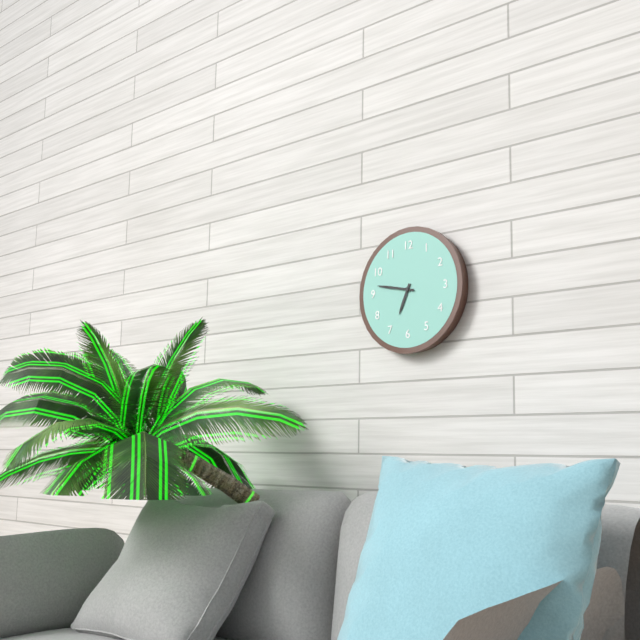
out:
6 h 47 min
